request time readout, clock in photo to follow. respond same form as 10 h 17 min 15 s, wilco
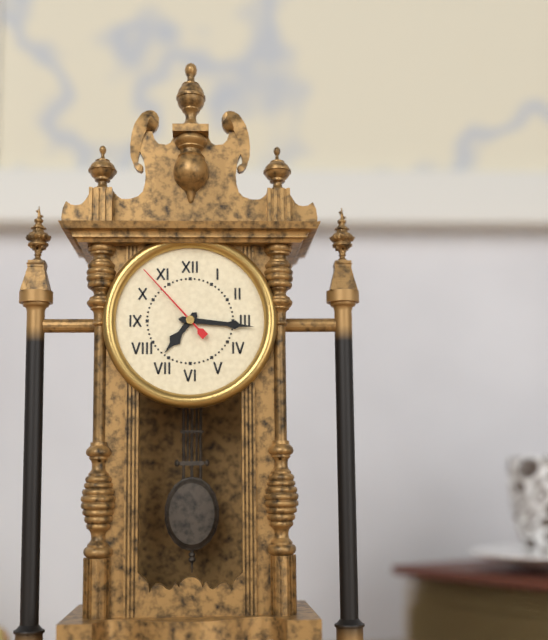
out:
7 h 16 min 53 s
